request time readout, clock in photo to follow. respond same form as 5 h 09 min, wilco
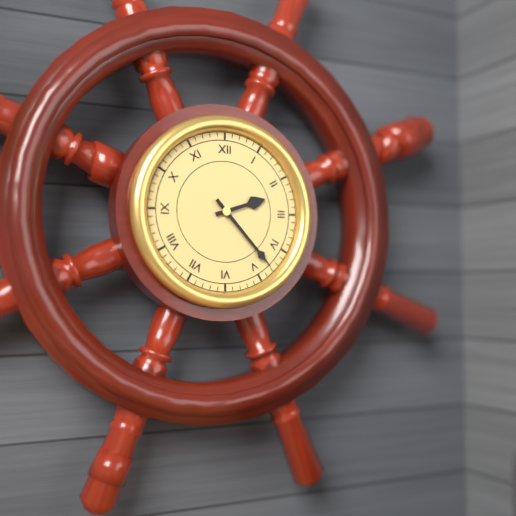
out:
2 h 23 min
